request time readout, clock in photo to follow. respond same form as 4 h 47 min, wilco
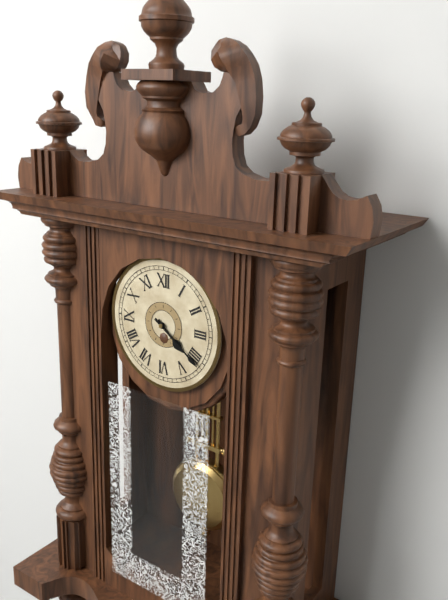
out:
4 h 21 min
